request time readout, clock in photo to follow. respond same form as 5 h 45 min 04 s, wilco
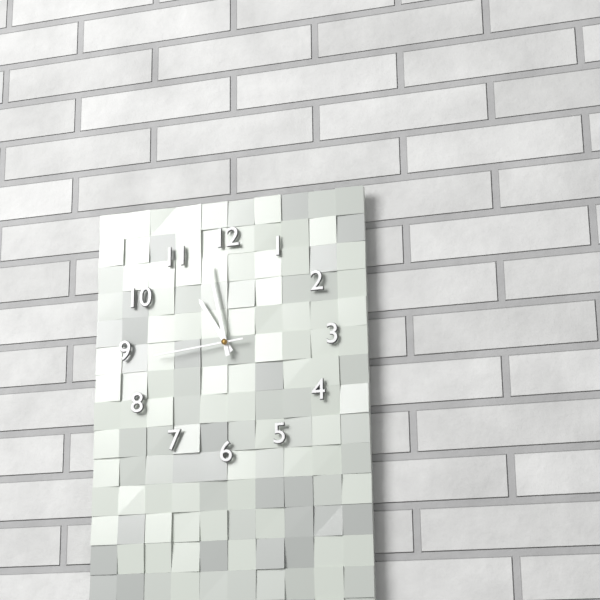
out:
10 h 58 min 44 s
